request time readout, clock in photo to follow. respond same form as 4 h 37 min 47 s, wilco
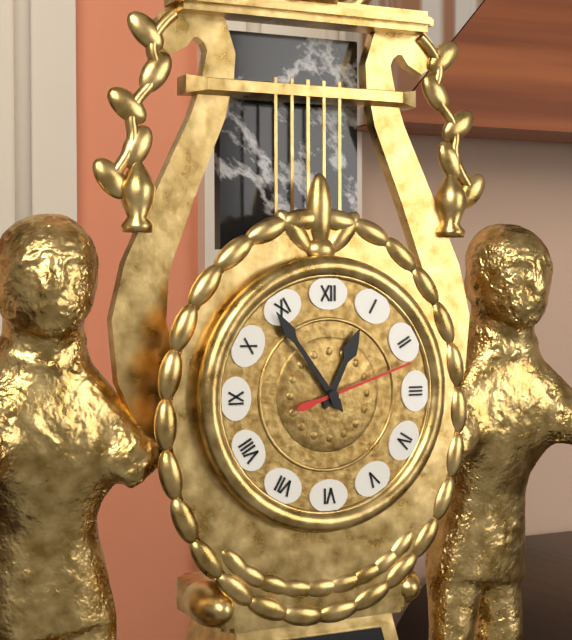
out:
12 h 54 min 12 s
